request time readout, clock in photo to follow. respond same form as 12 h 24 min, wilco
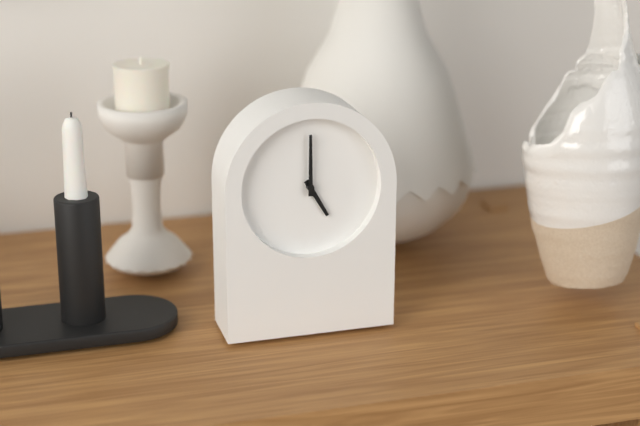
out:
5 h 00 min
